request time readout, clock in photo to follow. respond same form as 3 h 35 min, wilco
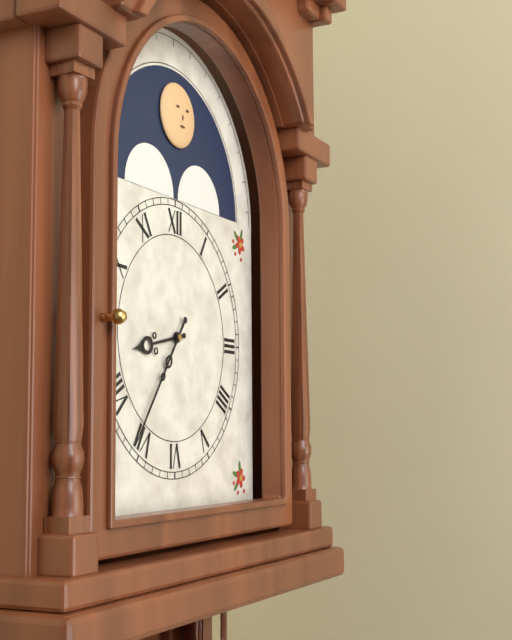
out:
8 h 36 min
